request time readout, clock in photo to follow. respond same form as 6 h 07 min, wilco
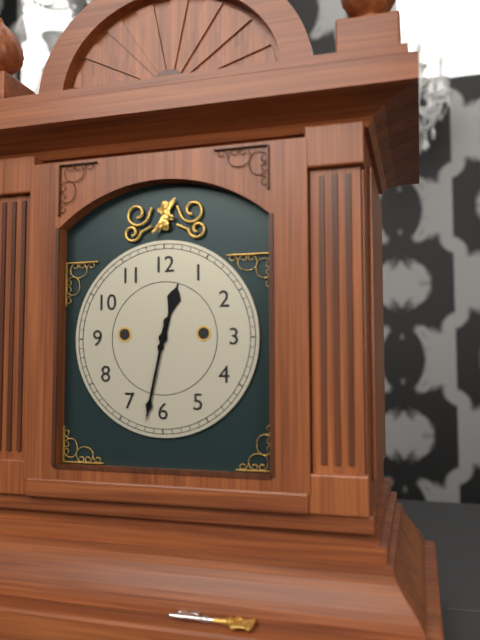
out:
12 h 32 min
